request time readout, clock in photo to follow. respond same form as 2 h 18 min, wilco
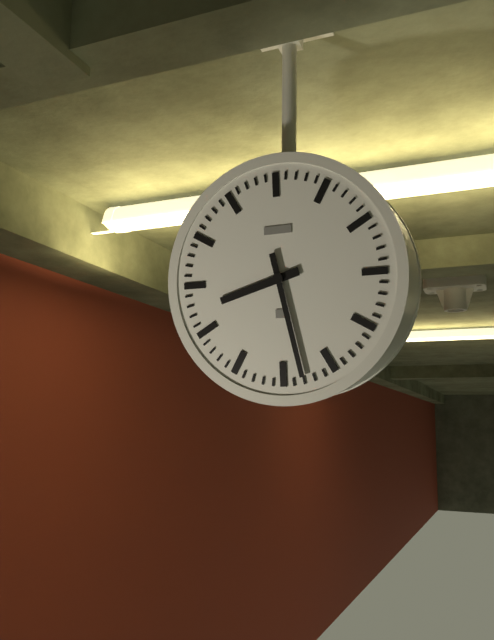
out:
8 h 28 min
